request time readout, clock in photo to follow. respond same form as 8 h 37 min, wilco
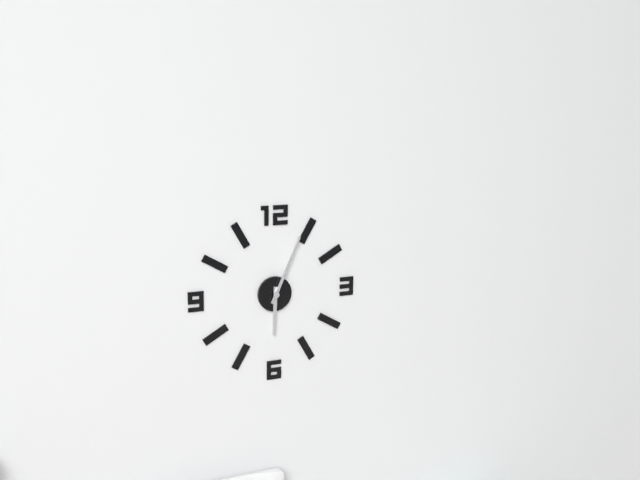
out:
6 h 04 min
